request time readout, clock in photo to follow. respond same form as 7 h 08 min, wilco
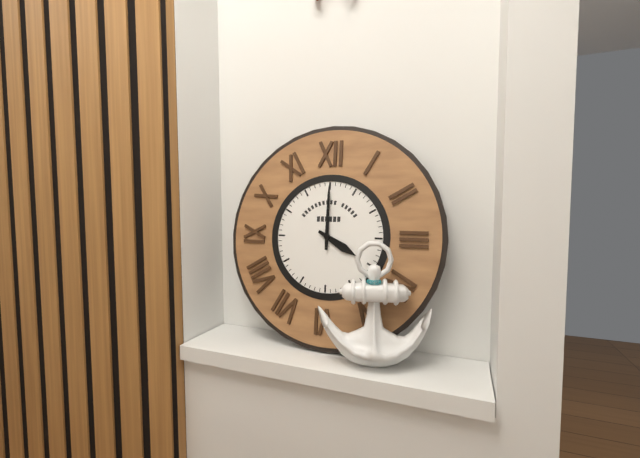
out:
4 h 00 min
